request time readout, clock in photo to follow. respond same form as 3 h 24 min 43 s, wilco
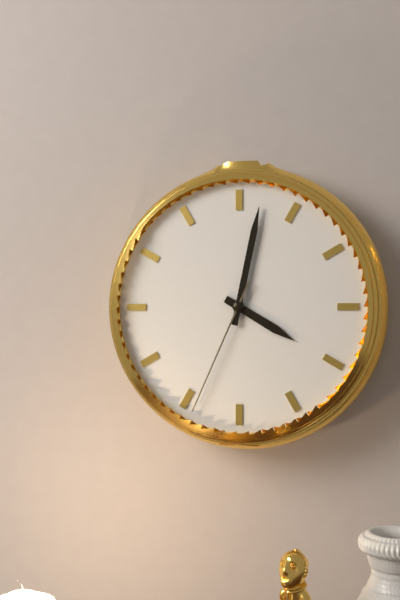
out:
4 h 02 min 34 s
